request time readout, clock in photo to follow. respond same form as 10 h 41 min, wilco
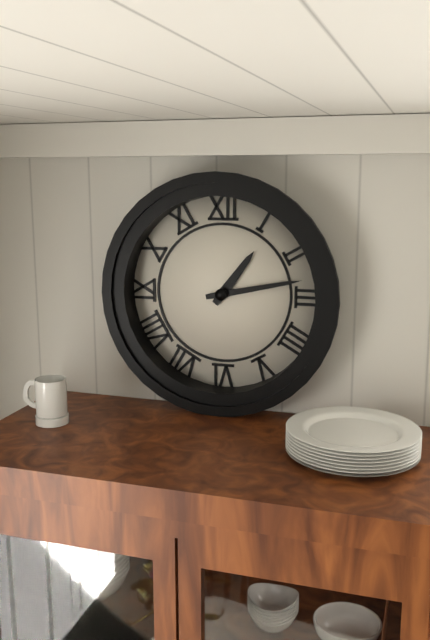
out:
1 h 13 min
